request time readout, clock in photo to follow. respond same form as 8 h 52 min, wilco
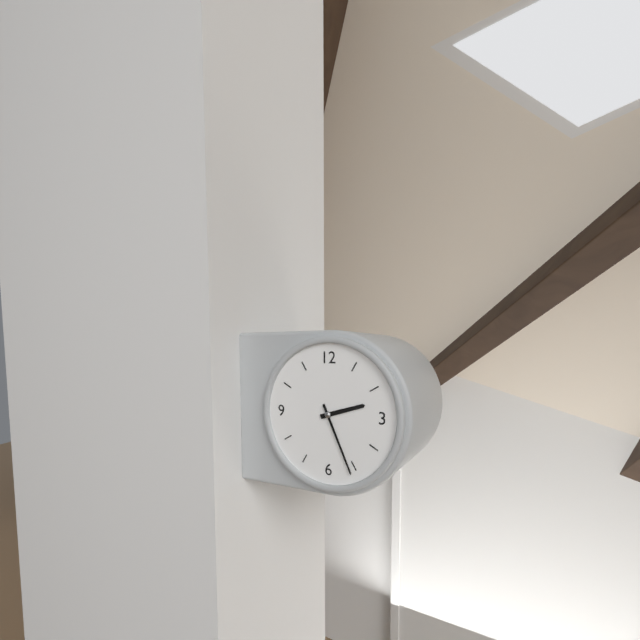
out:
2 h 26 min
